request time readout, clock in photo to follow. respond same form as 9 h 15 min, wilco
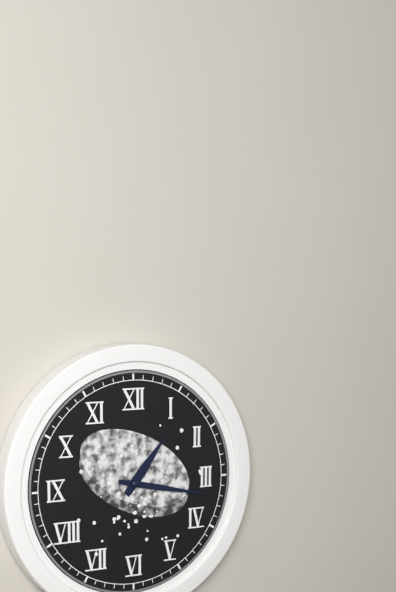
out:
1 h 17 min
